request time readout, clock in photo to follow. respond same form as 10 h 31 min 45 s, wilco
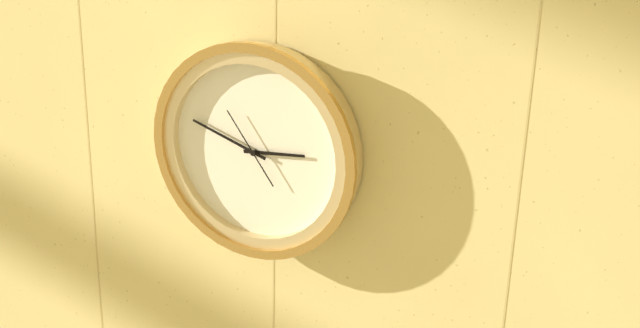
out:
2 h 48 min 54 s
